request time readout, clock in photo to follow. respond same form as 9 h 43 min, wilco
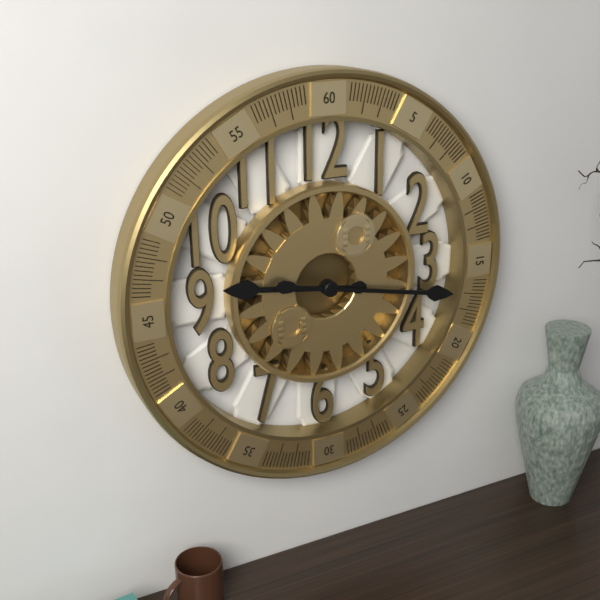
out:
9 h 17 min
